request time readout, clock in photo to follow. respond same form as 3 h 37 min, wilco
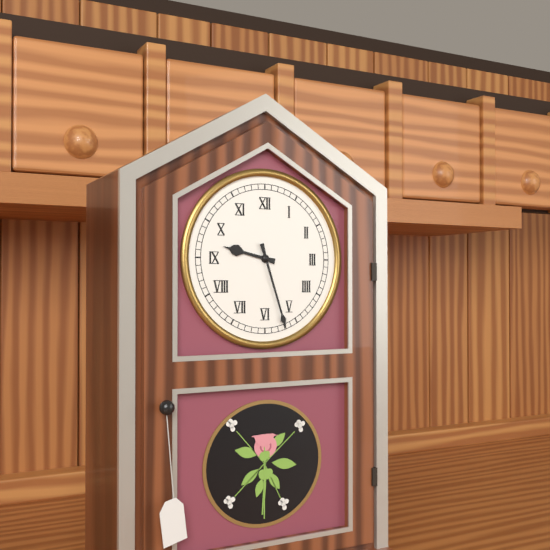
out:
9 h 27 min
